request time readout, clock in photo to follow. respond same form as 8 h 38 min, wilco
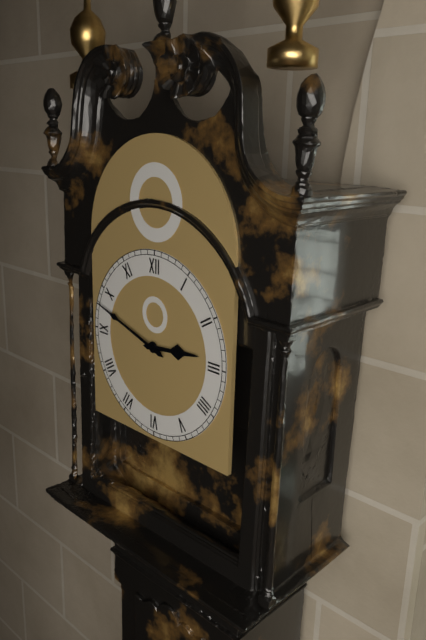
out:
2 h 48 min
